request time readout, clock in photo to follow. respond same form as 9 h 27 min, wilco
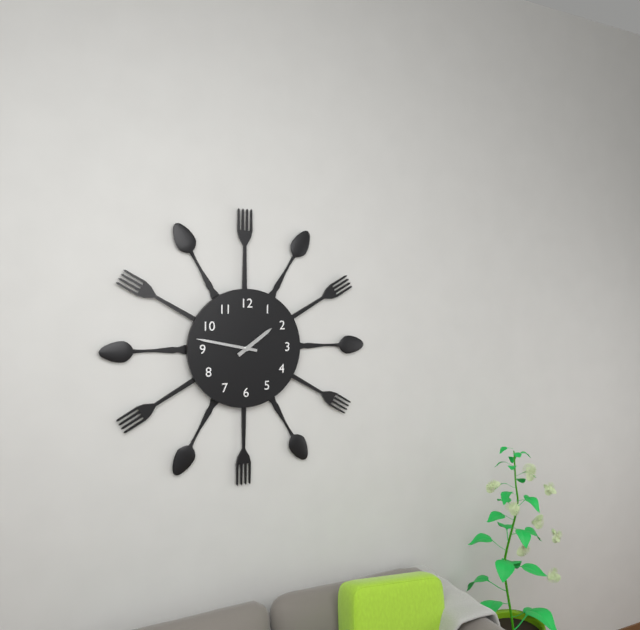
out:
1 h 47 min
